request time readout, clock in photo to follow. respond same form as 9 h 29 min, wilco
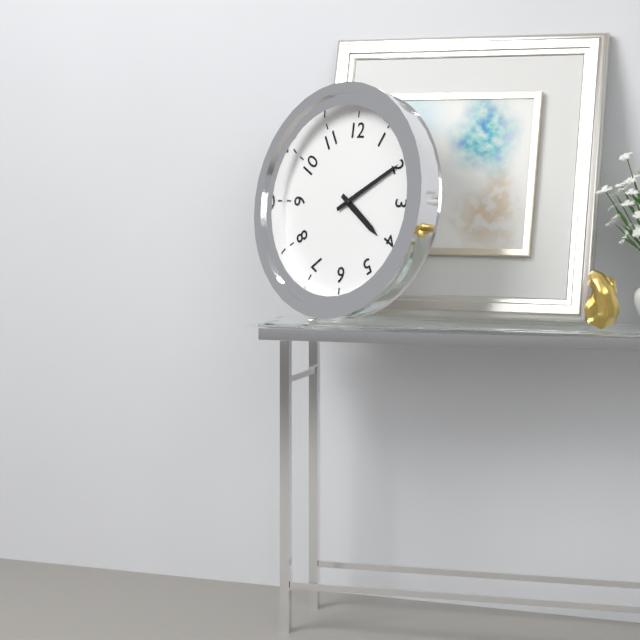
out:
4 h 10 min
